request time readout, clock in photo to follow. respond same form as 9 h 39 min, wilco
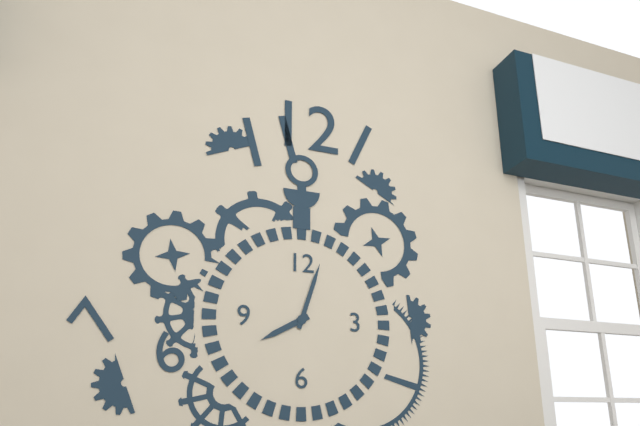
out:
8 h 03 min
